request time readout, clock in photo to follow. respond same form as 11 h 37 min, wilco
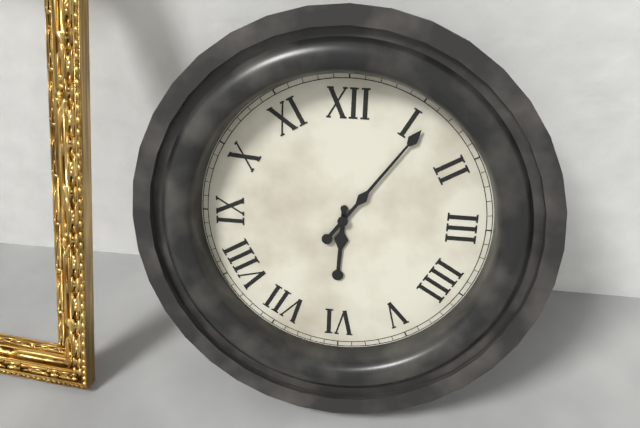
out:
6 h 06 min
